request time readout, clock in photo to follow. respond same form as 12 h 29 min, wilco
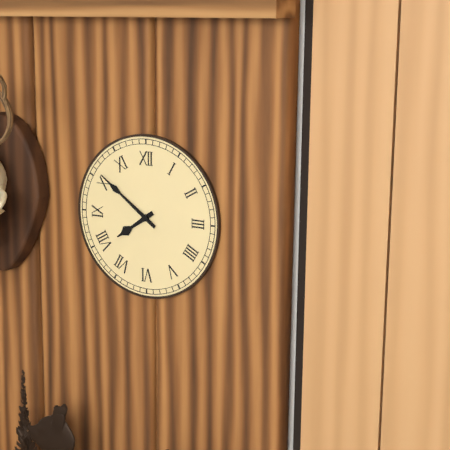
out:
7 h 51 min
